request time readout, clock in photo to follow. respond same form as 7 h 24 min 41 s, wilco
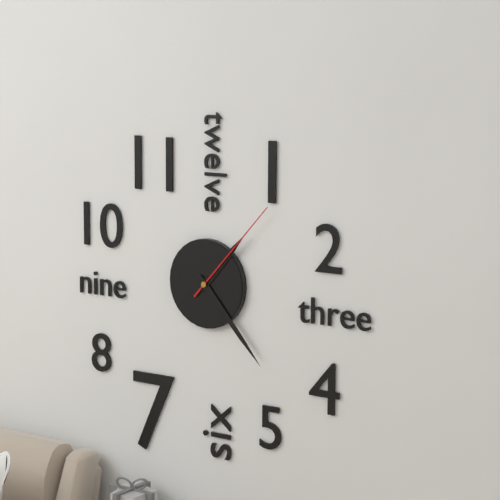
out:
1 h 23 min 07 s
